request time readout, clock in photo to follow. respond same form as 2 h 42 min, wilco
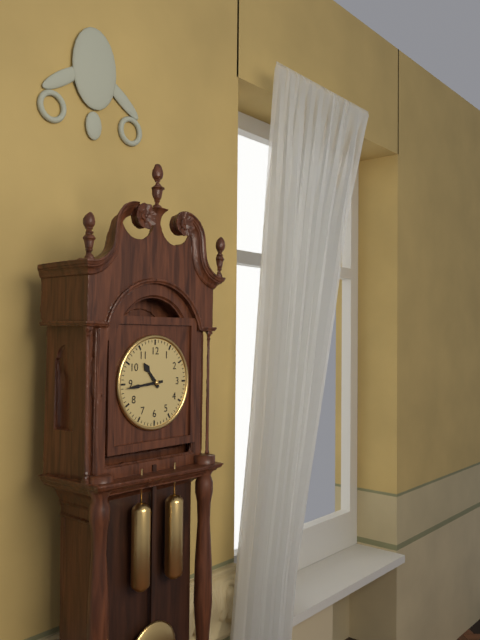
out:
10 h 44 min
